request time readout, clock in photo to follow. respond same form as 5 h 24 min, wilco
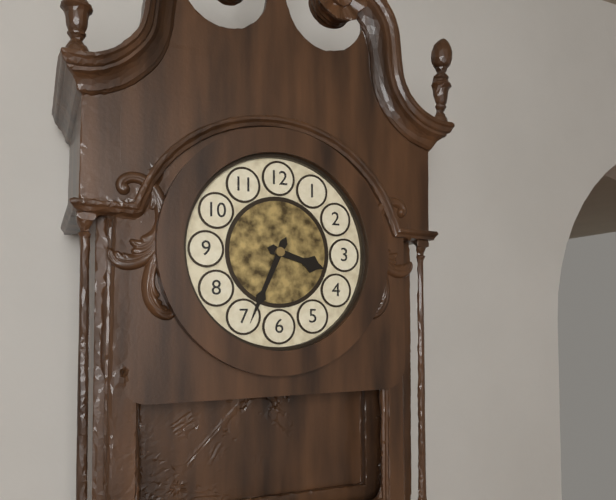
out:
3 h 34 min
